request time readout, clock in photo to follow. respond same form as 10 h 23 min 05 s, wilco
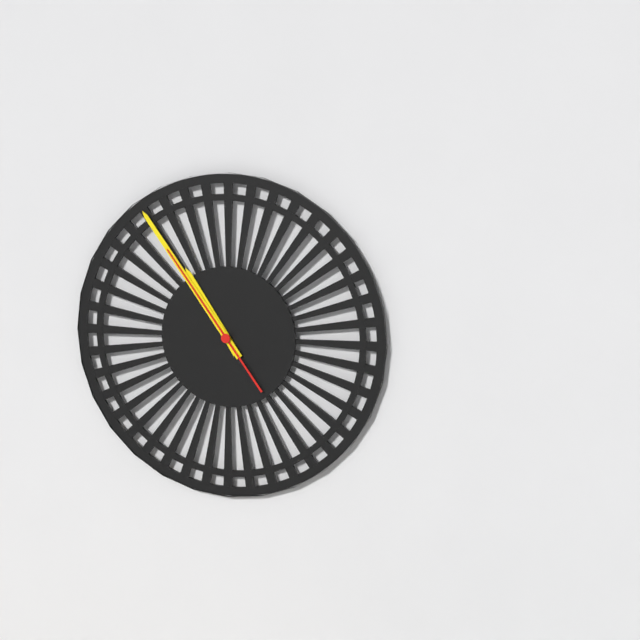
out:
10 h 54 min 54 s
